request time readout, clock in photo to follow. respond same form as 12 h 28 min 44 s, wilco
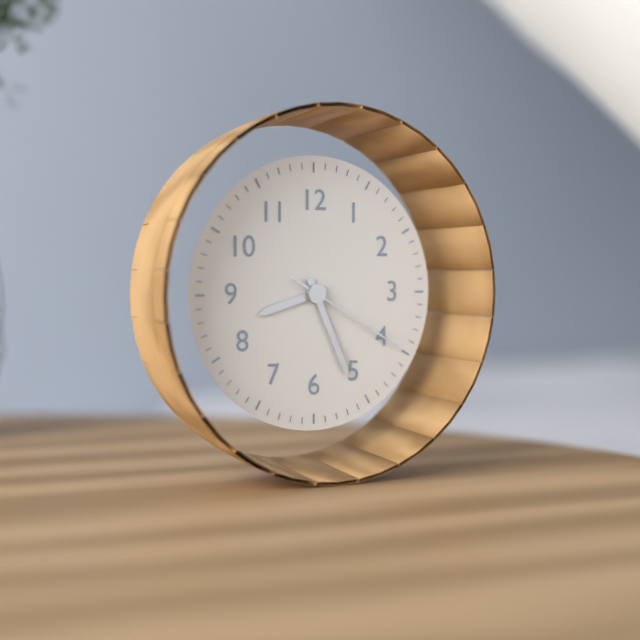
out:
8 h 26 min 20 s
